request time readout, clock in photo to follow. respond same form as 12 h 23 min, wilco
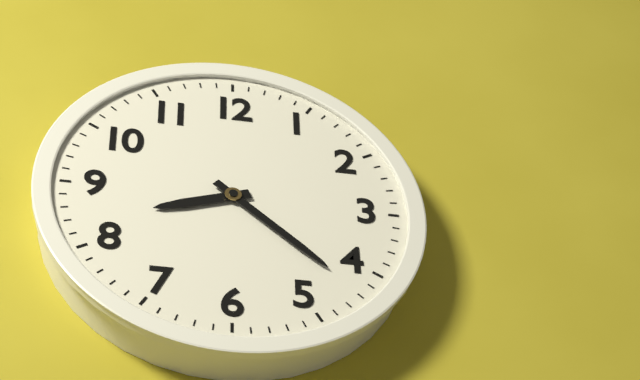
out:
8 h 22 min
